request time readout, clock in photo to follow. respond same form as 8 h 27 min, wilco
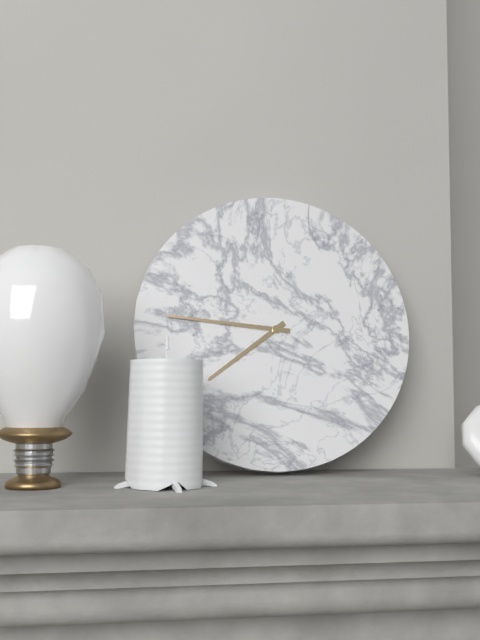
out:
7 h 46 min
